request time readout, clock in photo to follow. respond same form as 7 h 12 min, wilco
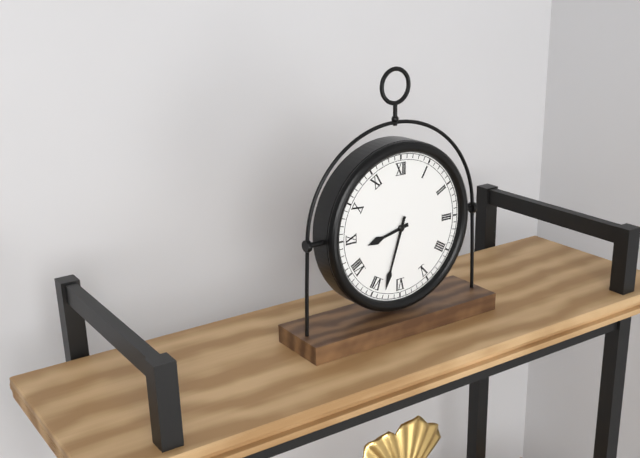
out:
8 h 33 min
